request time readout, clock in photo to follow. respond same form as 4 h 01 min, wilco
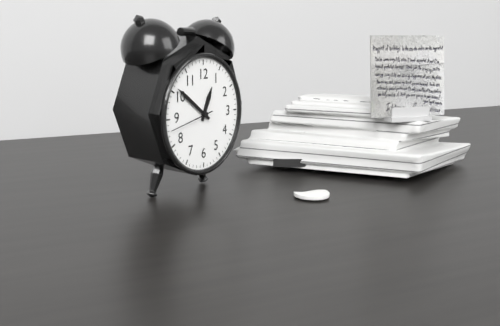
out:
12 h 51 min
